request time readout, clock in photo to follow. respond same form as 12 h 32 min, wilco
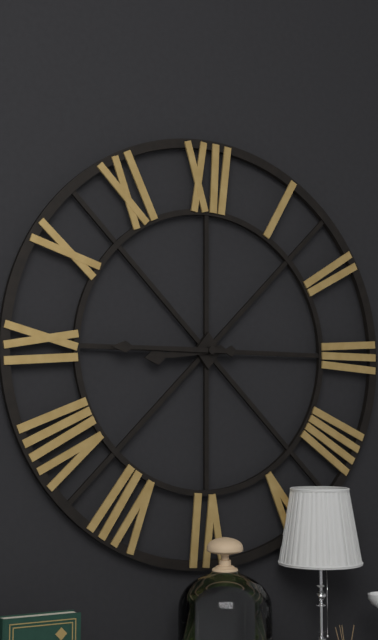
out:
8 h 45 min
